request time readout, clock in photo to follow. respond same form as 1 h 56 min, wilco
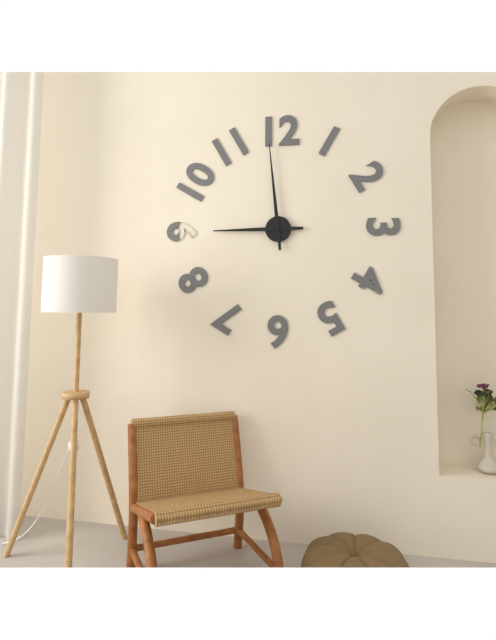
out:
8 h 59 min
